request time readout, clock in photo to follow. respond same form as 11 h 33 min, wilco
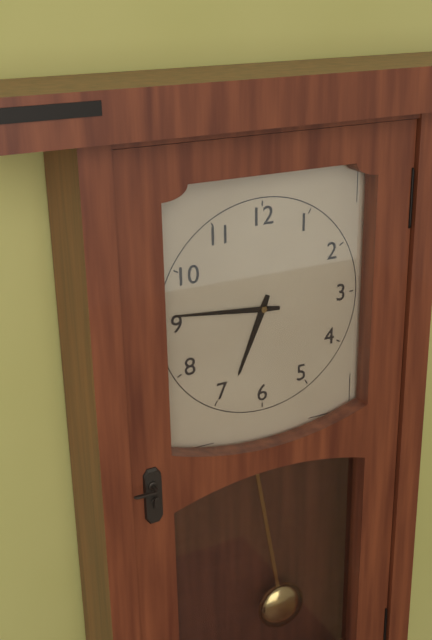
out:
6 h 46 min
